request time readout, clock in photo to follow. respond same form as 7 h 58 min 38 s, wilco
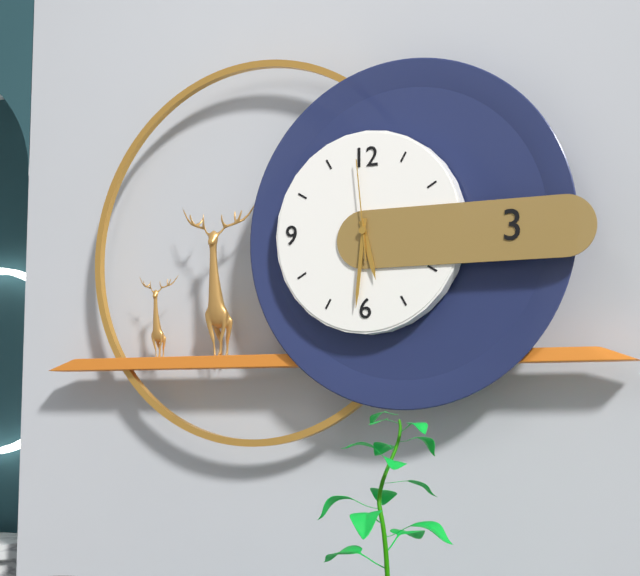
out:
5 h 31 min 59 s
